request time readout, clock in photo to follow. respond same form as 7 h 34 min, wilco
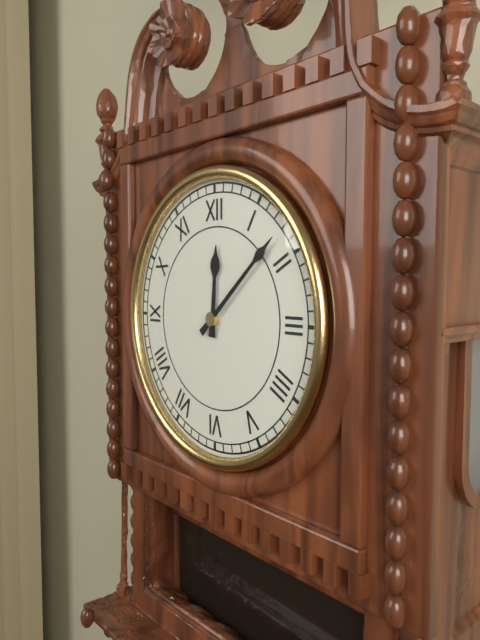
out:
12 h 08 min
